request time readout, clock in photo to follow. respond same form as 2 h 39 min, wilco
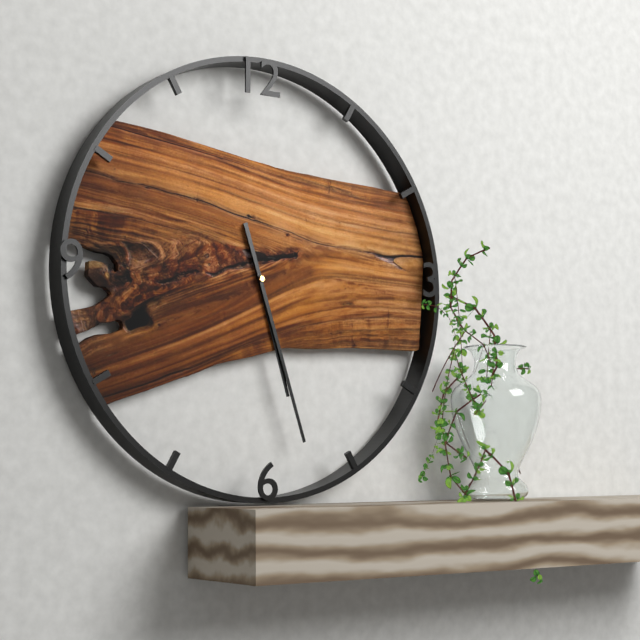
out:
5 h 27 min
